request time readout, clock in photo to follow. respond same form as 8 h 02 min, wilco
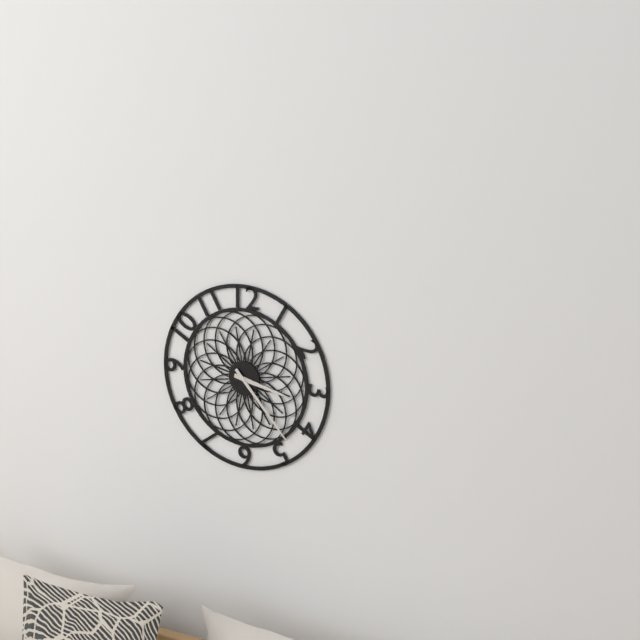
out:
3 h 23 min
